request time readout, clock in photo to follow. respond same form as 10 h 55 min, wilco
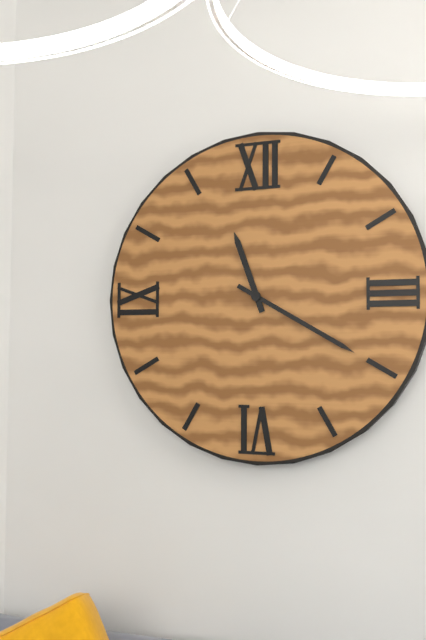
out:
11 h 20 min
